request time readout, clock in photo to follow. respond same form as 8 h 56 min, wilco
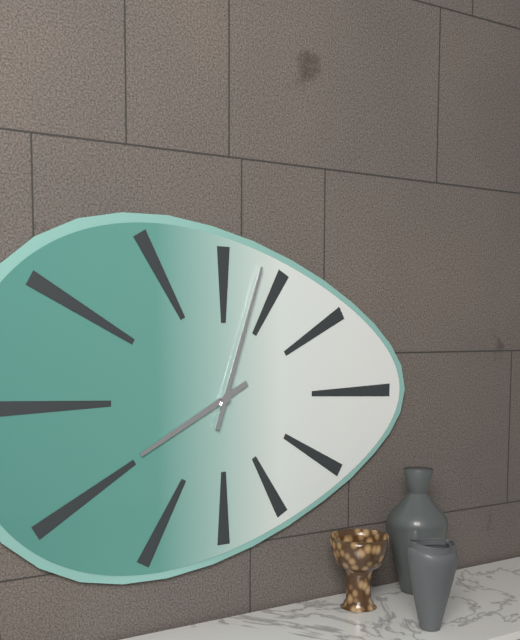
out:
8 h 03 min
